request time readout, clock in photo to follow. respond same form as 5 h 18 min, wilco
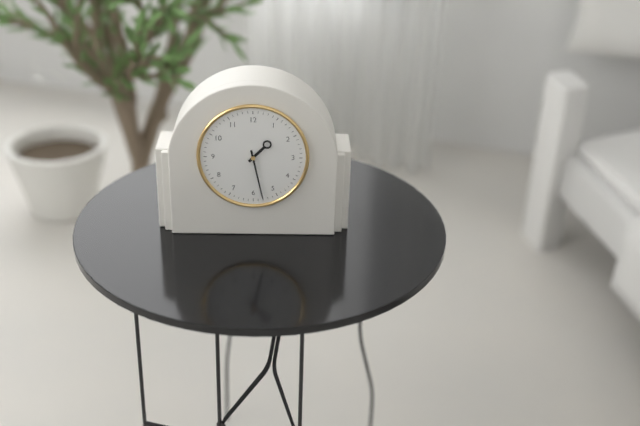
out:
1 h 28 min
